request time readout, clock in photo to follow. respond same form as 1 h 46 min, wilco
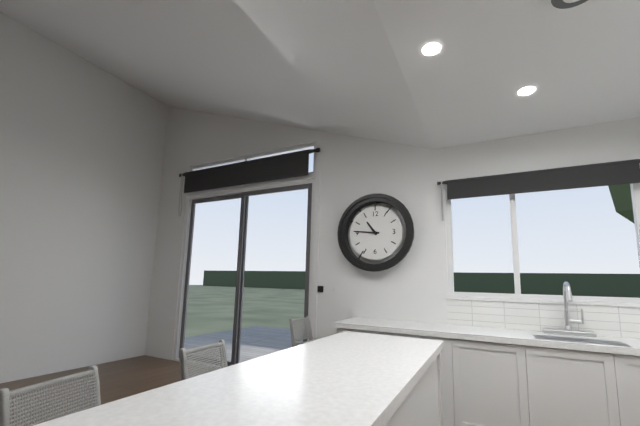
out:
10 h 46 min
